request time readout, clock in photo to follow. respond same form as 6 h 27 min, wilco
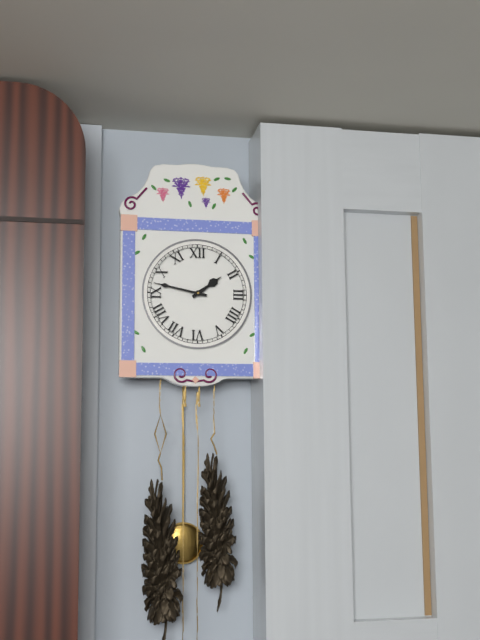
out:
1 h 47 min
